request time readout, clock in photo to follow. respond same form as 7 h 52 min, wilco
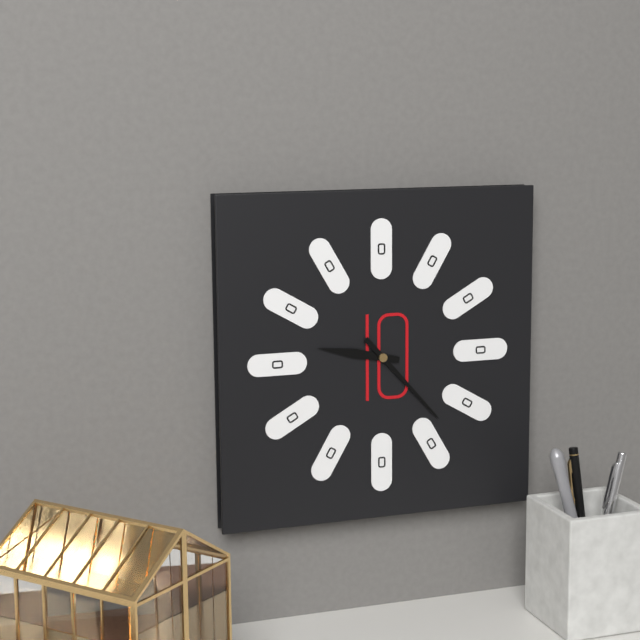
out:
9 h 23 min
